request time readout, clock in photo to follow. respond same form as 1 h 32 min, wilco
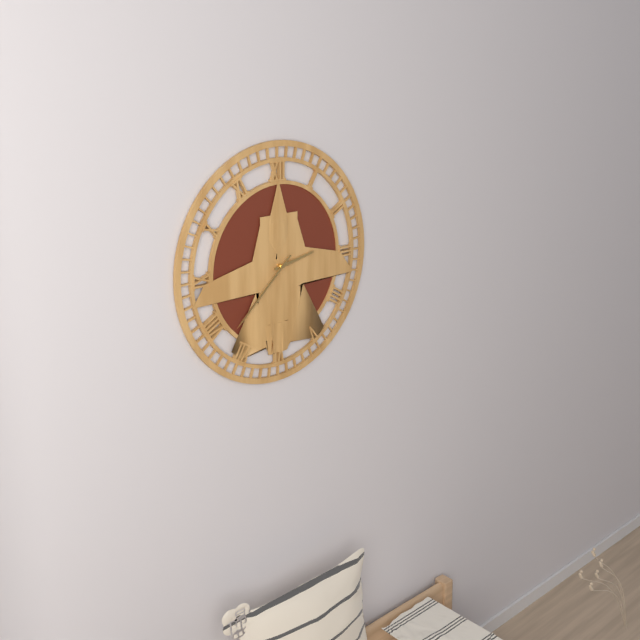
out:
2 h 38 min
